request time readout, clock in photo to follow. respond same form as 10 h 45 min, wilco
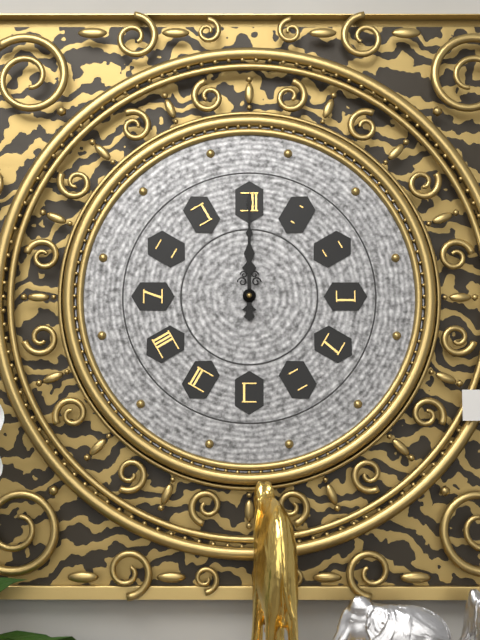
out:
12 h 00 min
